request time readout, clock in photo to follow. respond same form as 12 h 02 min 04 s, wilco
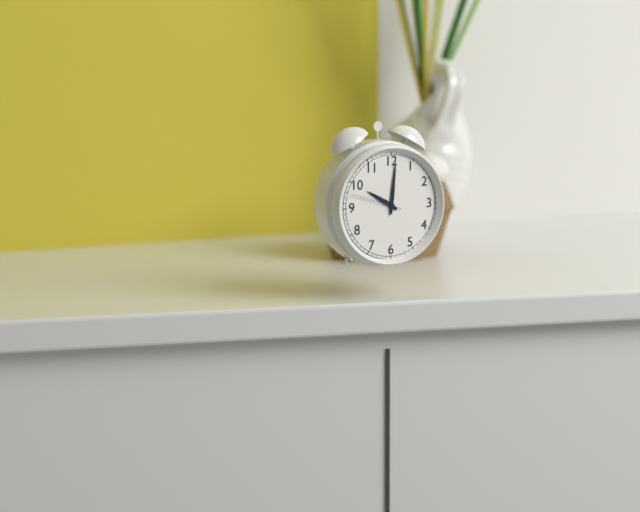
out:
10 h 01 min 48 s
